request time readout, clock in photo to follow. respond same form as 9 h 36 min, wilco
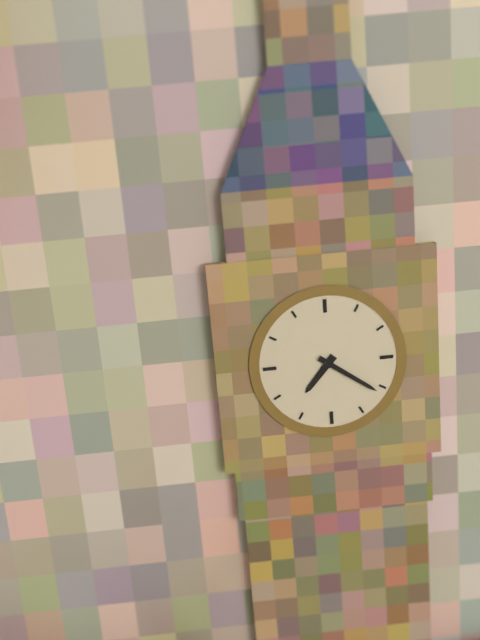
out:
7 h 21 min
